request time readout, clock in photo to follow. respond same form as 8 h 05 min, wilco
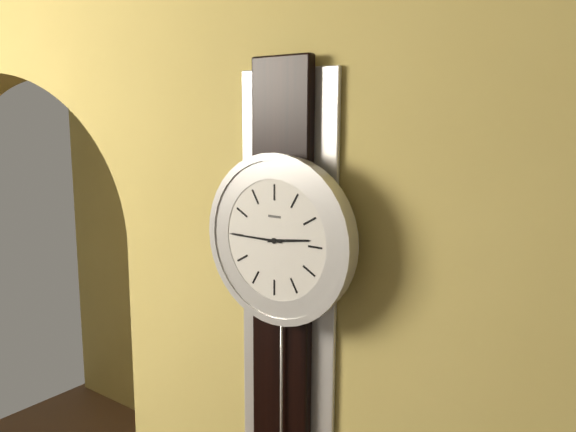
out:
2 h 45 min
